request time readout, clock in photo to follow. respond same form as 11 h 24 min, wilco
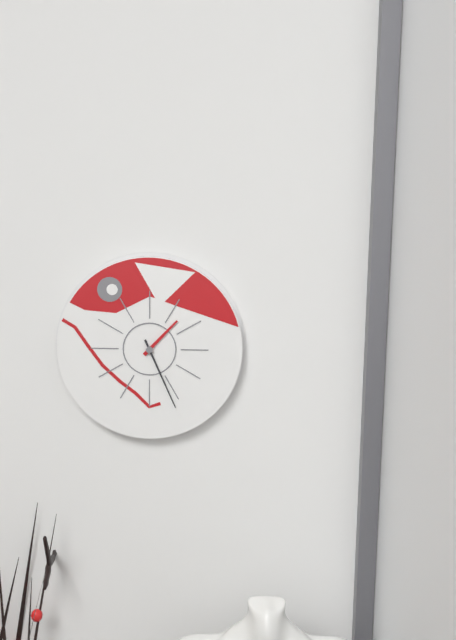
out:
1 h 26 min
